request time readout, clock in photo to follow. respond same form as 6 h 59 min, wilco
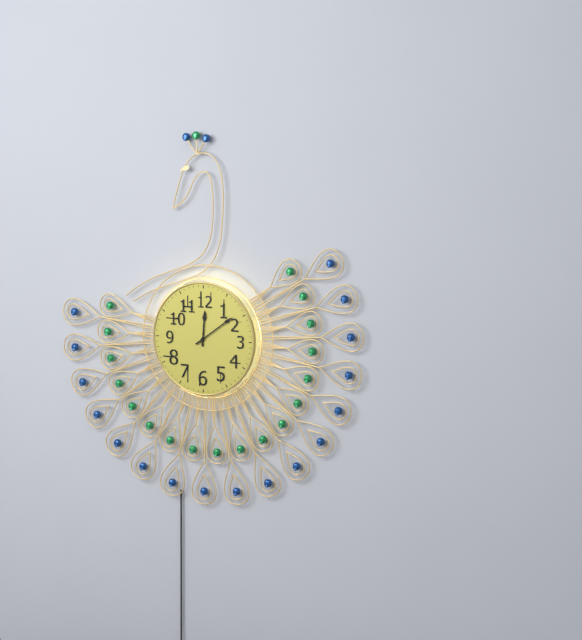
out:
12 h 09 min
